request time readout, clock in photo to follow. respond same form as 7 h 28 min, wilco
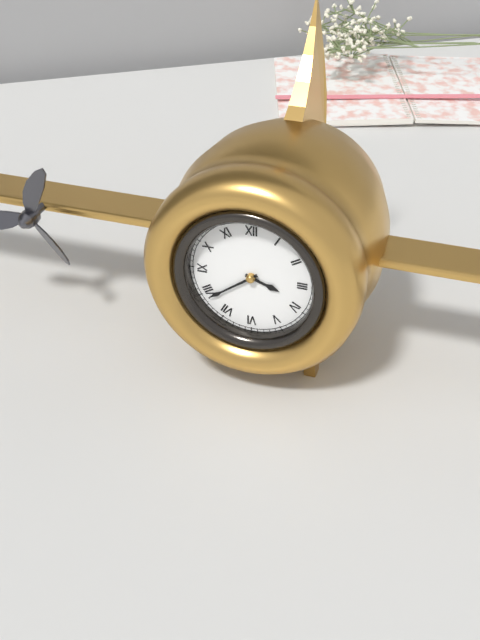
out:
3 h 39 min
